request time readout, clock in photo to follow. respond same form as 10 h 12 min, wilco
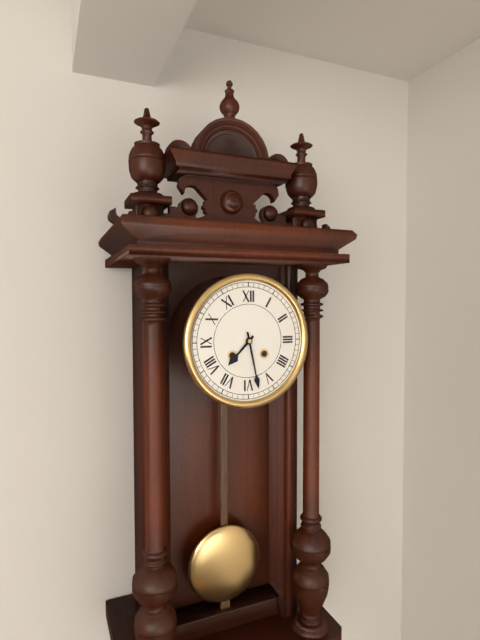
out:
7 h 28 min
